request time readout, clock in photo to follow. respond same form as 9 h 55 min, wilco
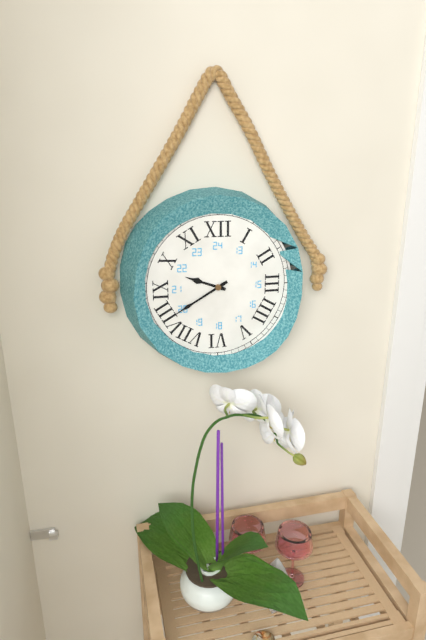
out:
9 h 40 min
